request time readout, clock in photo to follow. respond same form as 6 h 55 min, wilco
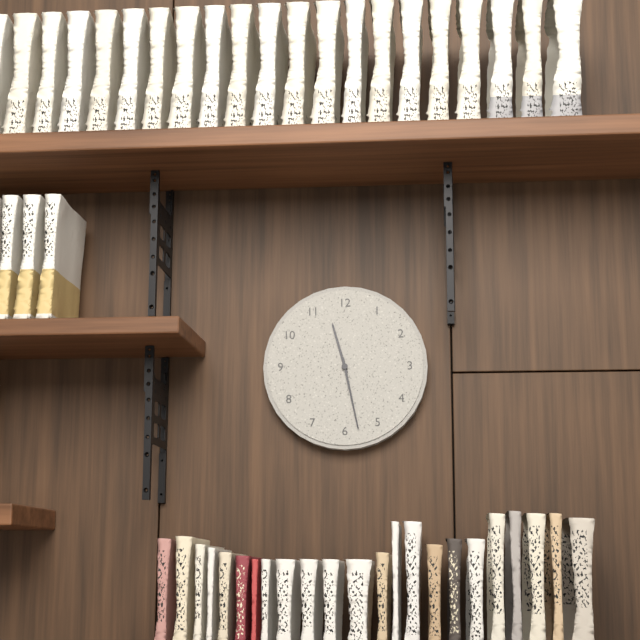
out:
11 h 28 min
